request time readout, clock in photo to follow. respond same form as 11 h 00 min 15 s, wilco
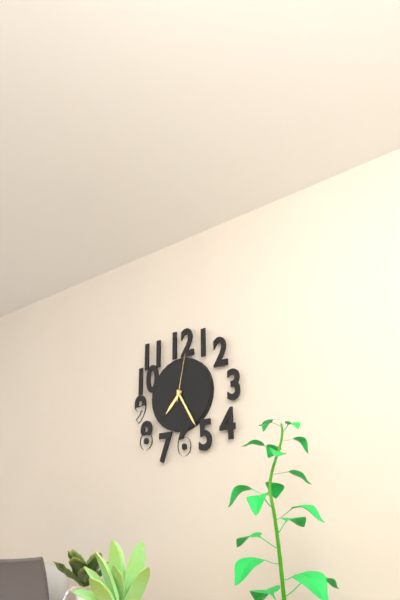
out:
7 h 25 min 02 s
